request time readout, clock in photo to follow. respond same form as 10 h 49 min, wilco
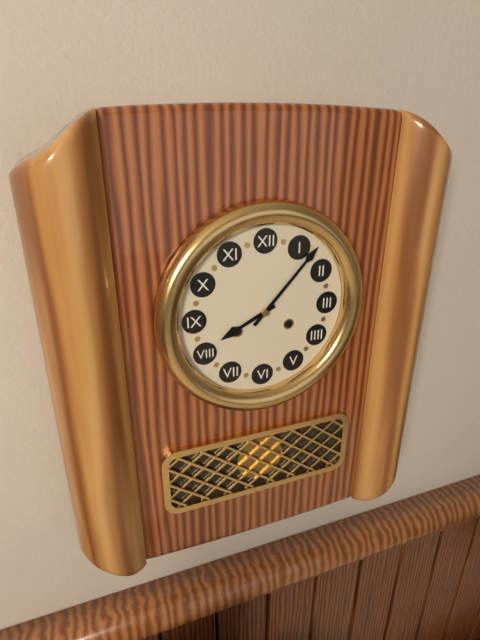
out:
8 h 07 min
